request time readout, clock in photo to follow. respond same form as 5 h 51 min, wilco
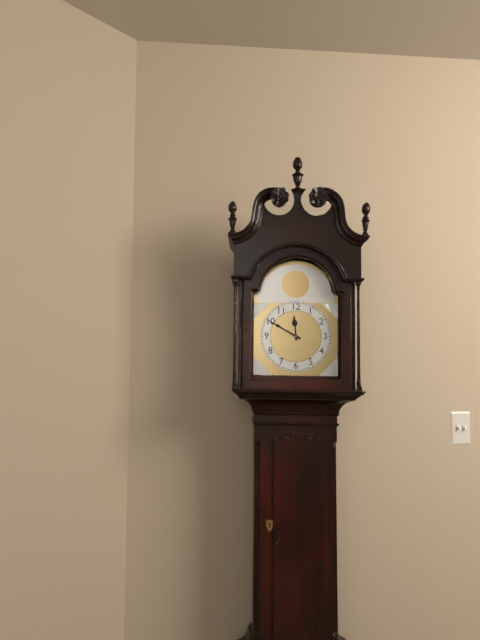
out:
11 h 50 min
